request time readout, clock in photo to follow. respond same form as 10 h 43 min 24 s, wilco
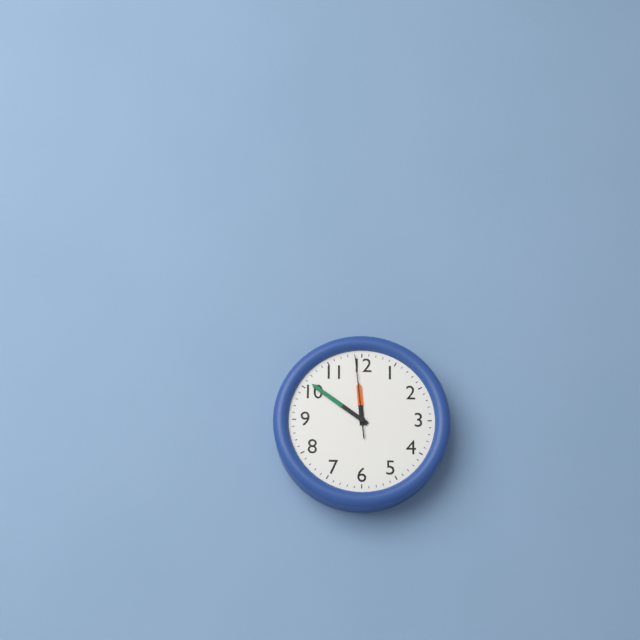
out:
11 h 51 min 59 s
